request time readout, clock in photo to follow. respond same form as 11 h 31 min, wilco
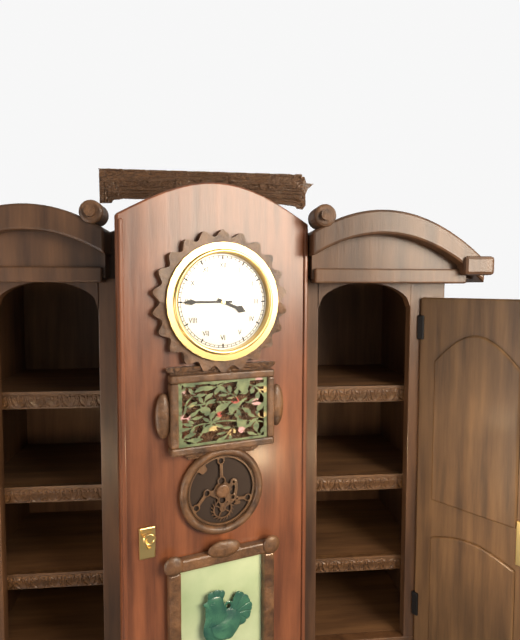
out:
3 h 45 min
